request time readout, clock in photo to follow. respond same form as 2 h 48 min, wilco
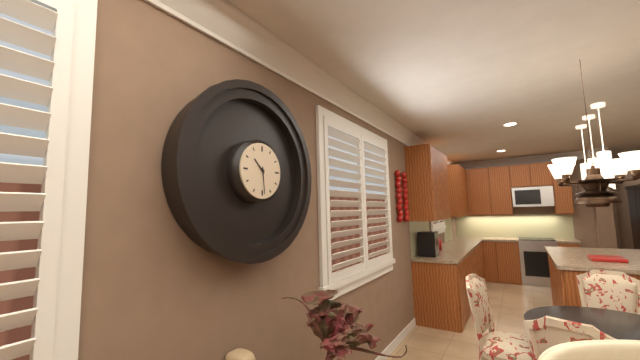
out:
10 h 29 min
